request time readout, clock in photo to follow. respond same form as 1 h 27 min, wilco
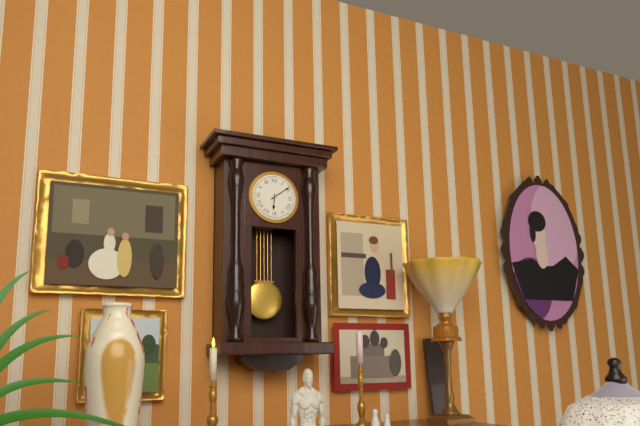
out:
6 h 09 min
